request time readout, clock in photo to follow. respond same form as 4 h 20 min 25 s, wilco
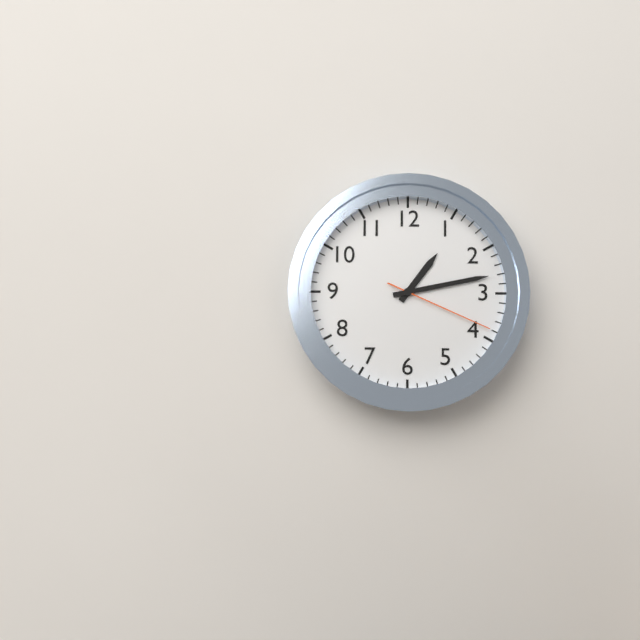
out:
1 h 13 min 19 s
